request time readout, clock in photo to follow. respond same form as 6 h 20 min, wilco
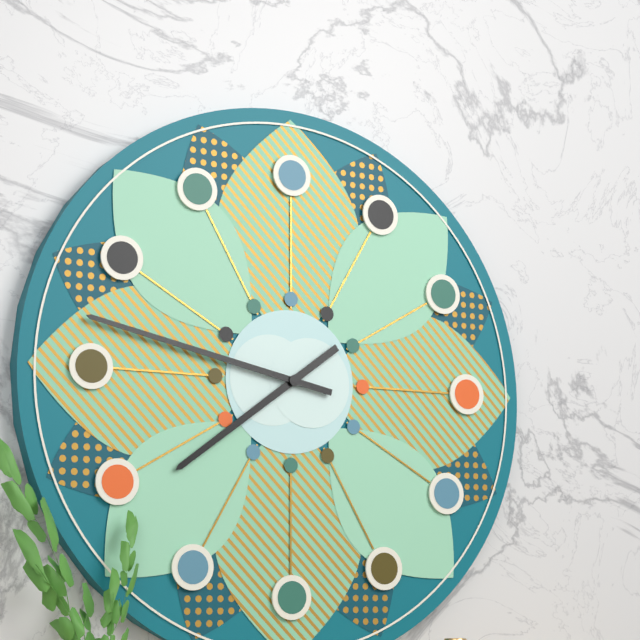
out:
7 h 47 min
